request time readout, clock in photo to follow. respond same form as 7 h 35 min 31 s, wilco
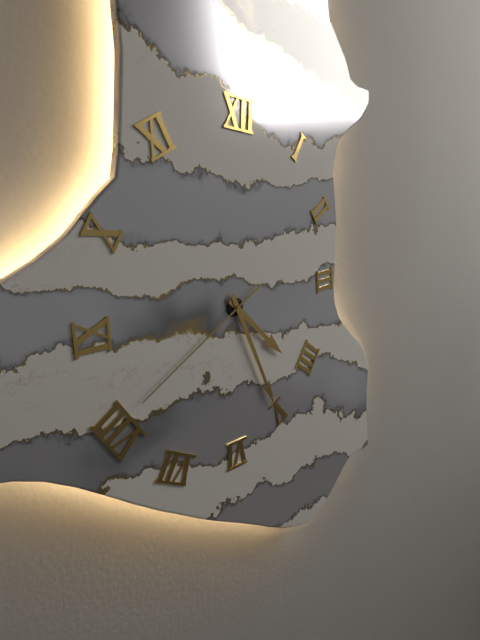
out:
4 h 26 min 40 s
